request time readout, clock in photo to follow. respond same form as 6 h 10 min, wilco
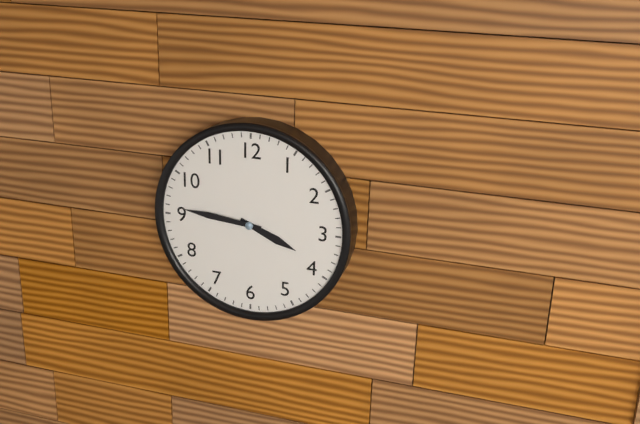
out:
3 h 46 min
